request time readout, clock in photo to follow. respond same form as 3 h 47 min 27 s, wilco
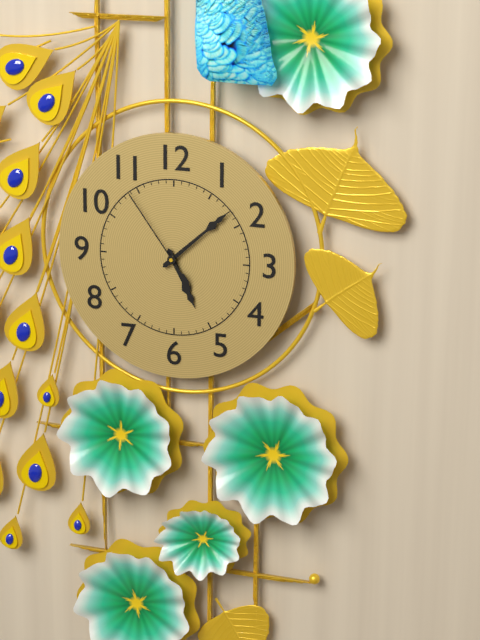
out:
5 h 08 min 54 s
